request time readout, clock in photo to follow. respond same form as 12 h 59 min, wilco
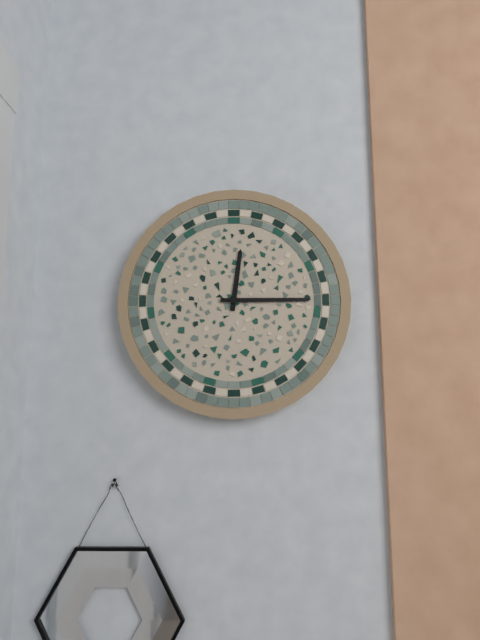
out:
12 h 15 min
